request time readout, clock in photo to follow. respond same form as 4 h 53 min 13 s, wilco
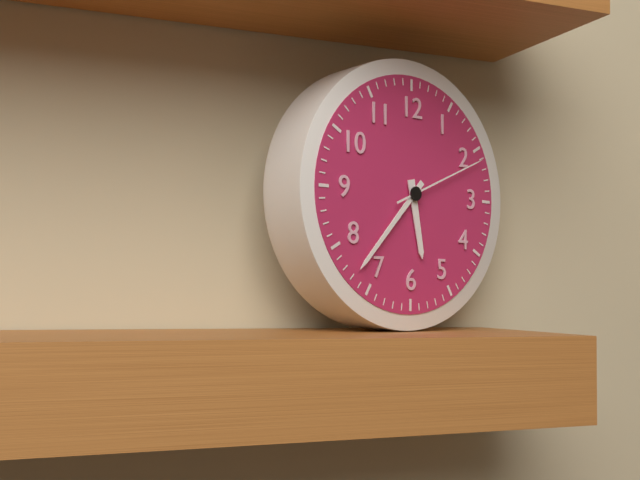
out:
5 h 37 min 11 s
